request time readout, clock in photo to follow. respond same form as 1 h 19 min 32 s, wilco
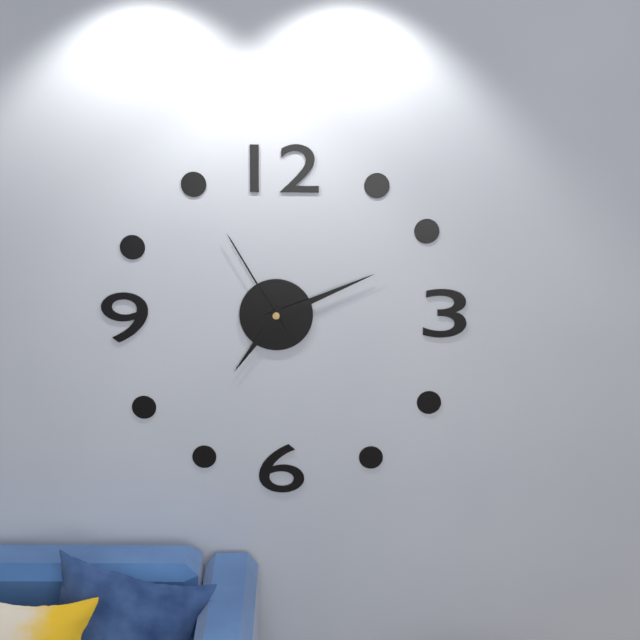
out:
7 h 11 min 55 s
